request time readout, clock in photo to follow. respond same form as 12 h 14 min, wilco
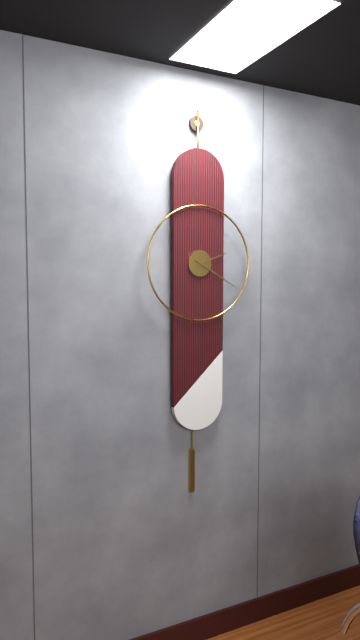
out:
2 h 20 min
